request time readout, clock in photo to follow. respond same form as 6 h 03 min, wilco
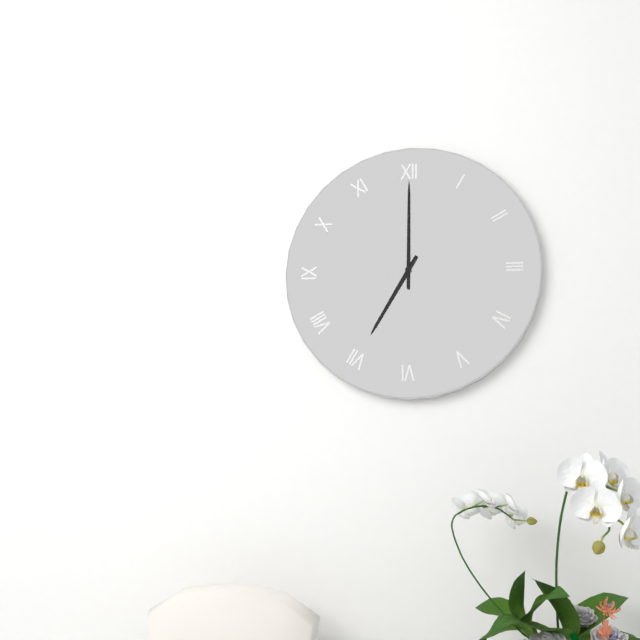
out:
7 h 00 min
